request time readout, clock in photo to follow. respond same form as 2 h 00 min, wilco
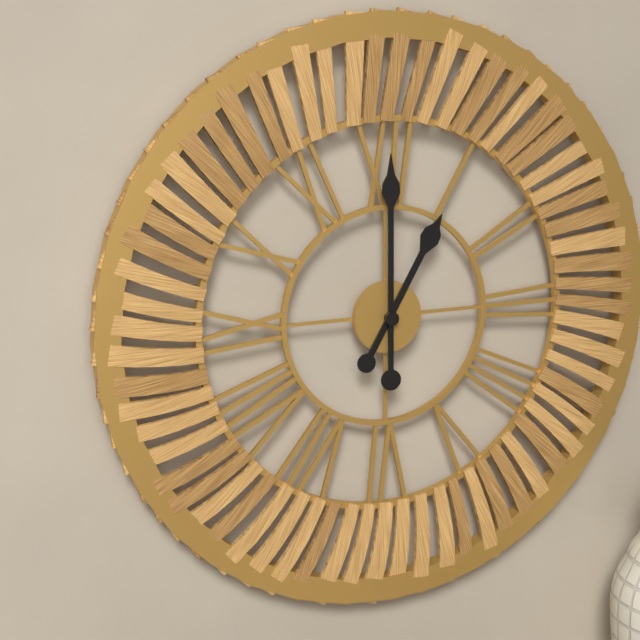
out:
1 h 00 min
